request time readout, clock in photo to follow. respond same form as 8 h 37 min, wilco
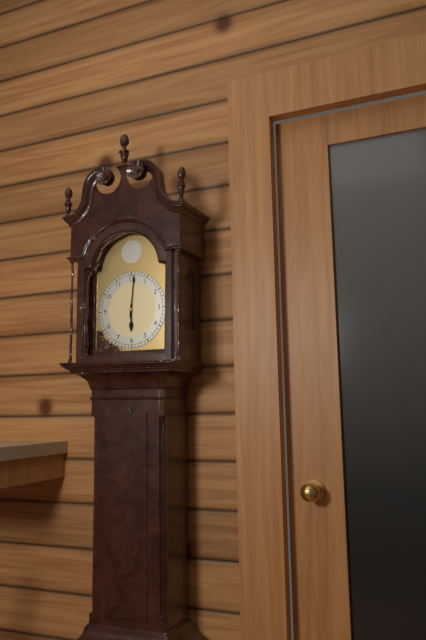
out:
6 h 01 min
